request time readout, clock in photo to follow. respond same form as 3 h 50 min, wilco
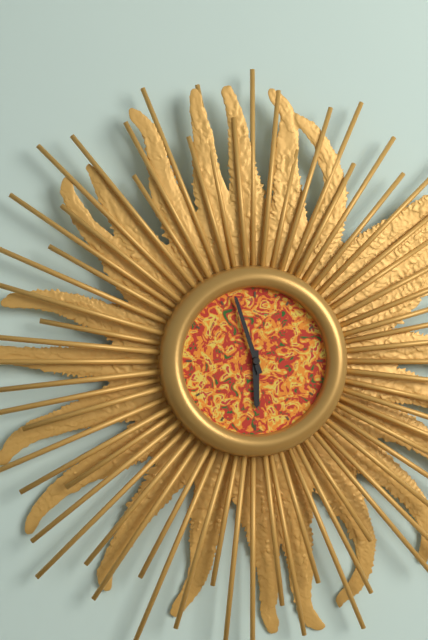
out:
5 h 57 min
